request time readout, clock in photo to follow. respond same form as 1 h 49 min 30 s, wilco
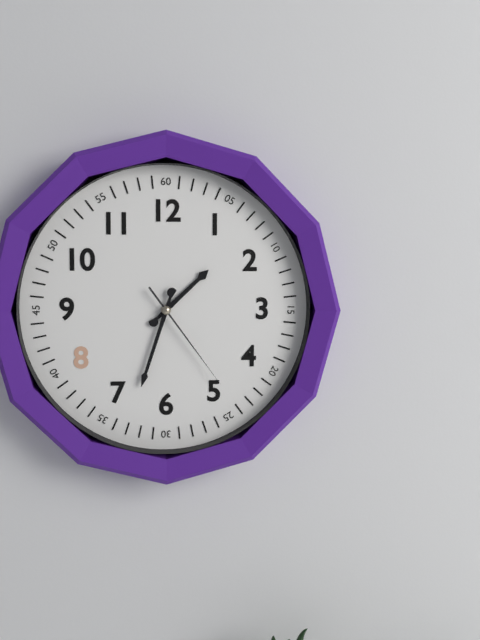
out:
1 h 33 min 24 s
